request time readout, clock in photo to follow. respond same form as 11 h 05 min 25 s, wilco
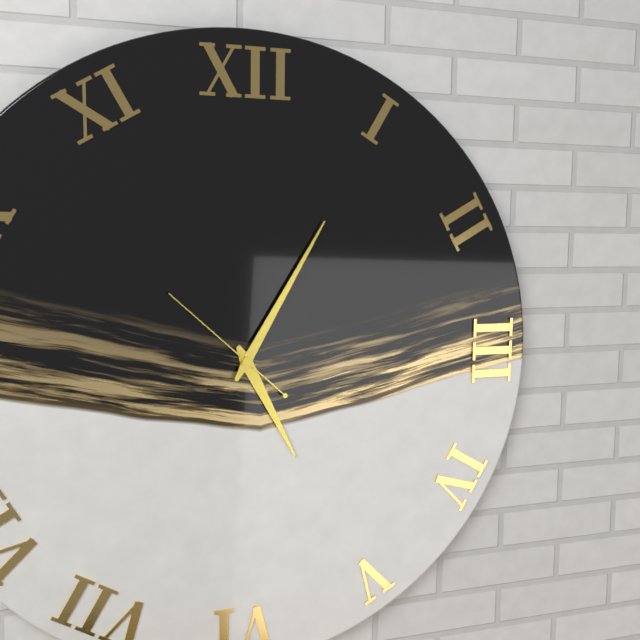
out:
5 h 05 min 52 s
